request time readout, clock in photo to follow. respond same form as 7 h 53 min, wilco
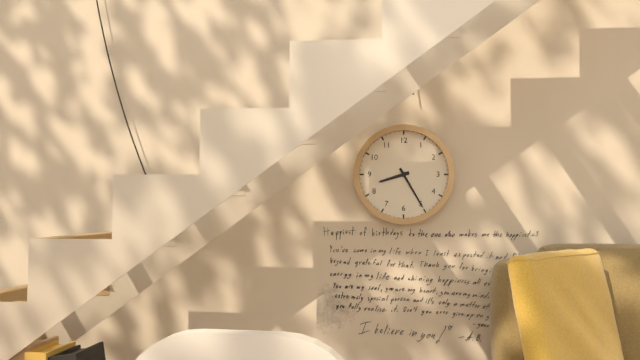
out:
8 h 25 min
